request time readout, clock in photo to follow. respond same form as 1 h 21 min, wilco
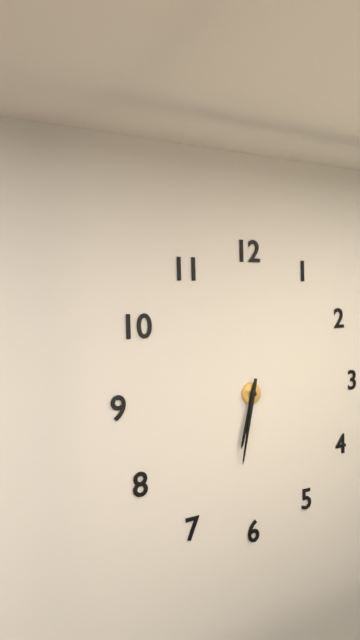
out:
6 h 32 min
